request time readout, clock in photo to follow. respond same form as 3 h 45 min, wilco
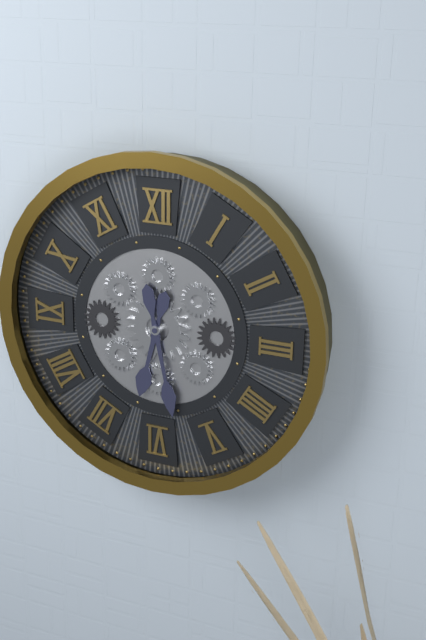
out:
6 h 28 min
